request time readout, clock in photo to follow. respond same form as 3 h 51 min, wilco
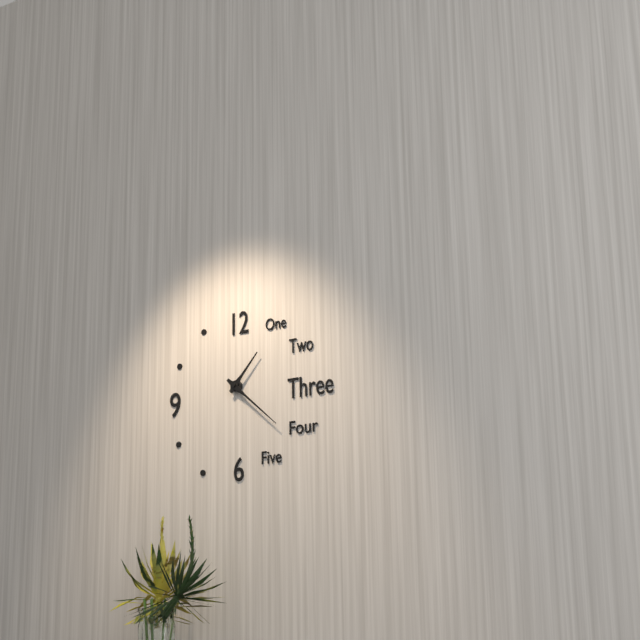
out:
1 h 22 min
